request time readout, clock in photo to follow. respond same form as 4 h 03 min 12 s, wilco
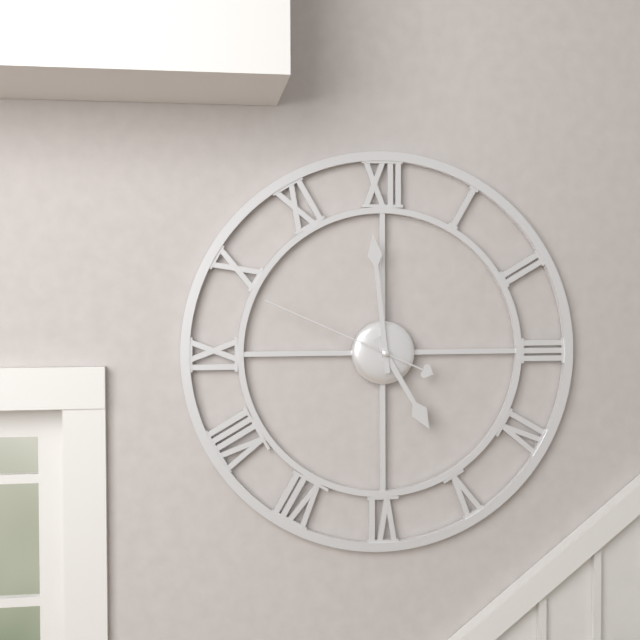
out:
4 h 59 min 49 s
